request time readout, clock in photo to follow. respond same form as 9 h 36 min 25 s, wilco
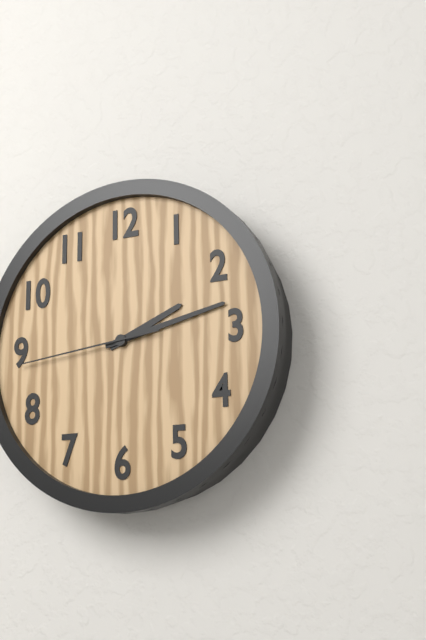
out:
2 h 13 min 44 s
